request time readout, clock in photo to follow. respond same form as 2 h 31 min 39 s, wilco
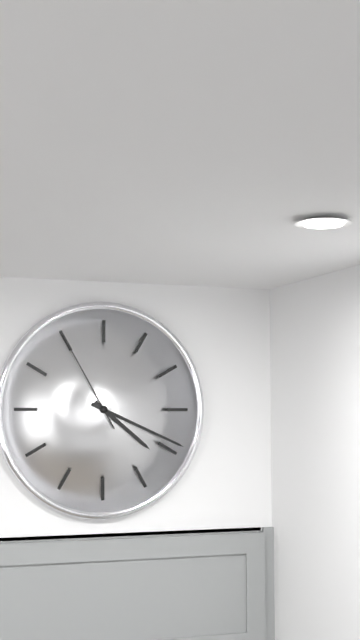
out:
4 h 19 min 55 s
